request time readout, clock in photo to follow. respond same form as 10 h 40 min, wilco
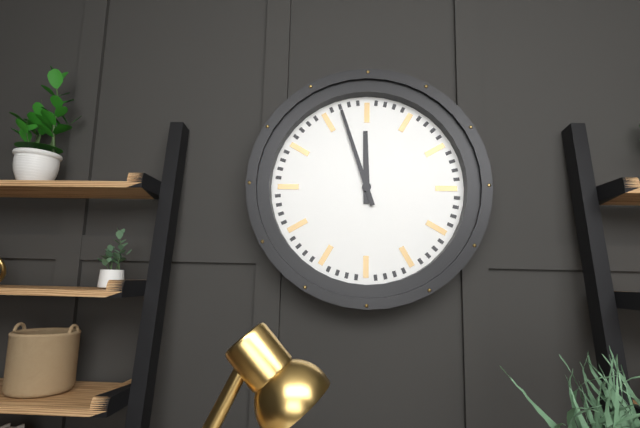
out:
11 h 57 min
